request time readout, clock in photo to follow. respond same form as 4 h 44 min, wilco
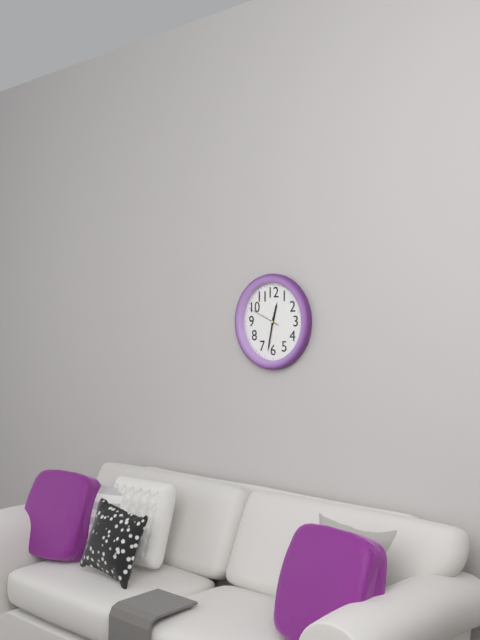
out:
12 h 32 min
